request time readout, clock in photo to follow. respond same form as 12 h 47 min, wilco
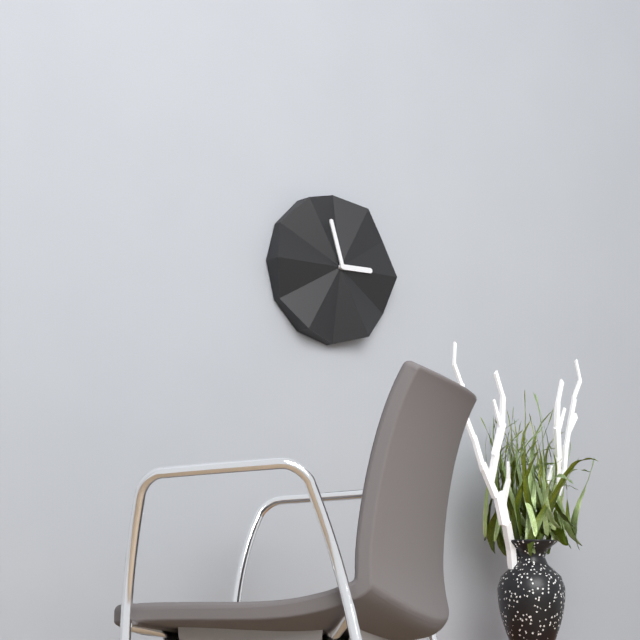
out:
2 h 57 min
